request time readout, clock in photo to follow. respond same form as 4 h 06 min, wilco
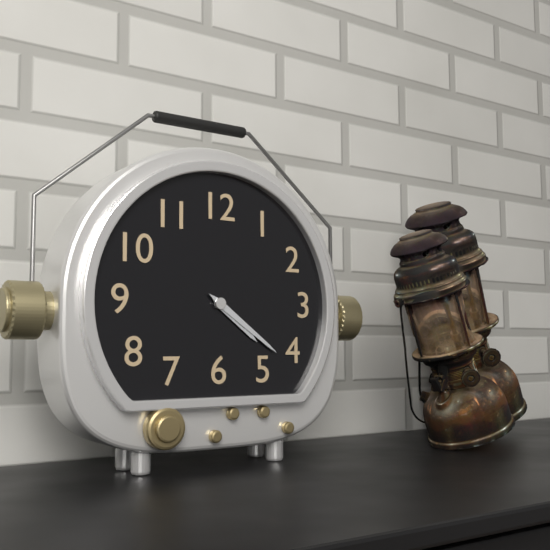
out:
4 h 21 min
